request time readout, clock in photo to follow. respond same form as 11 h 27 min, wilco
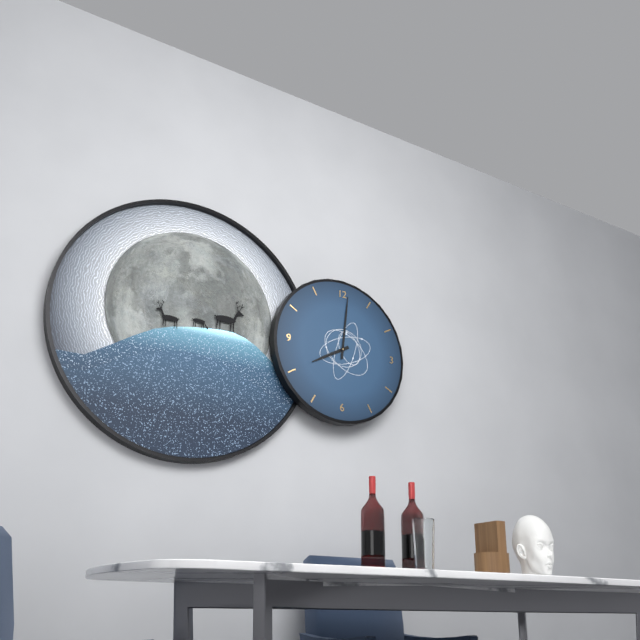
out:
8 h 01 min
